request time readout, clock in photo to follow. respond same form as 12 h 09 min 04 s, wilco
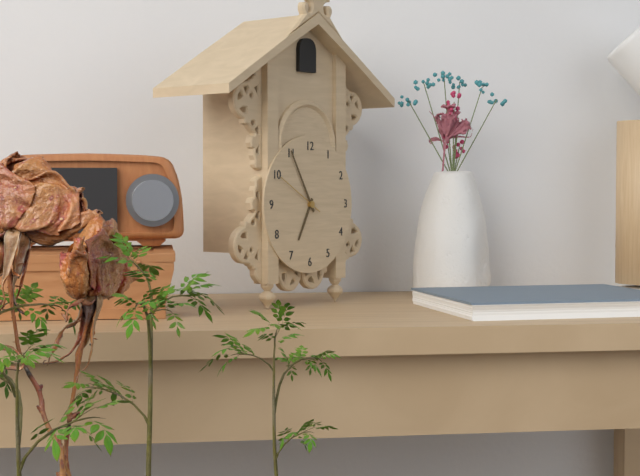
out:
6 h 55 min 50 s
